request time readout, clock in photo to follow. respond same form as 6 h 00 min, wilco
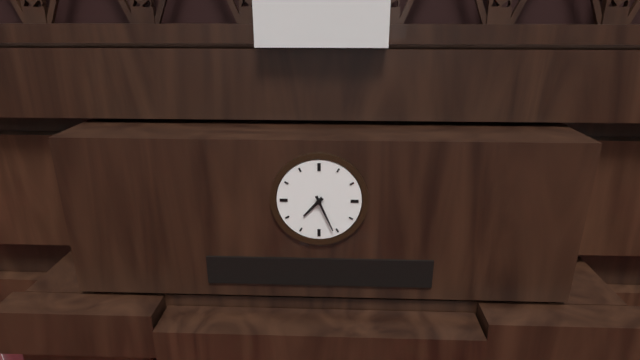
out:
7 h 26 min
